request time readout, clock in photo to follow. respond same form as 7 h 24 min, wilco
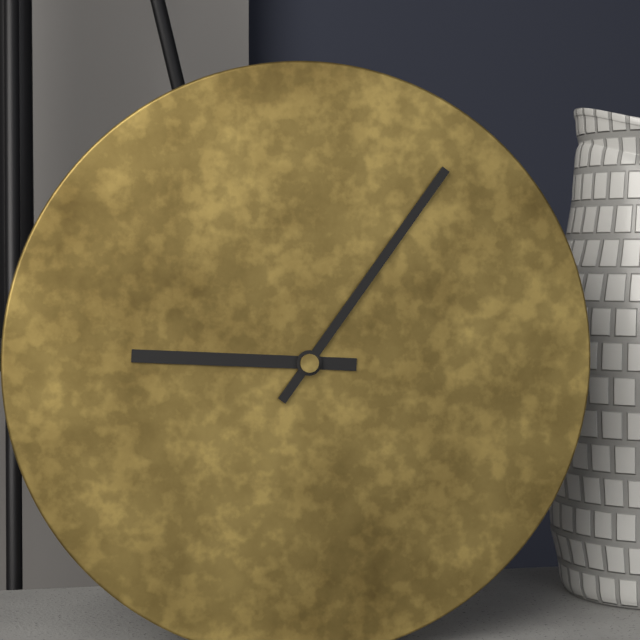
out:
9 h 06 min
